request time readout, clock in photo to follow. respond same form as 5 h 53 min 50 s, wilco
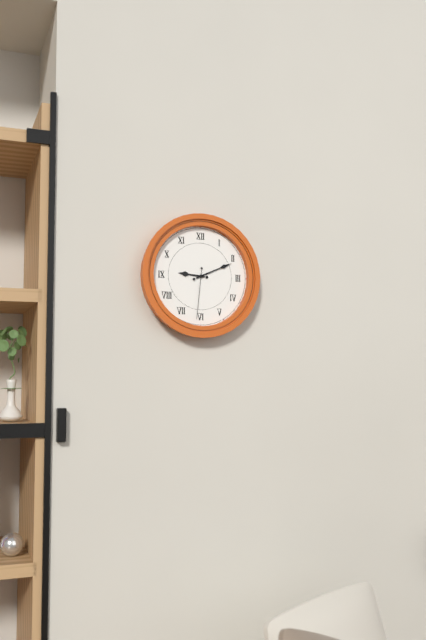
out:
9 h 11 min 31 s
